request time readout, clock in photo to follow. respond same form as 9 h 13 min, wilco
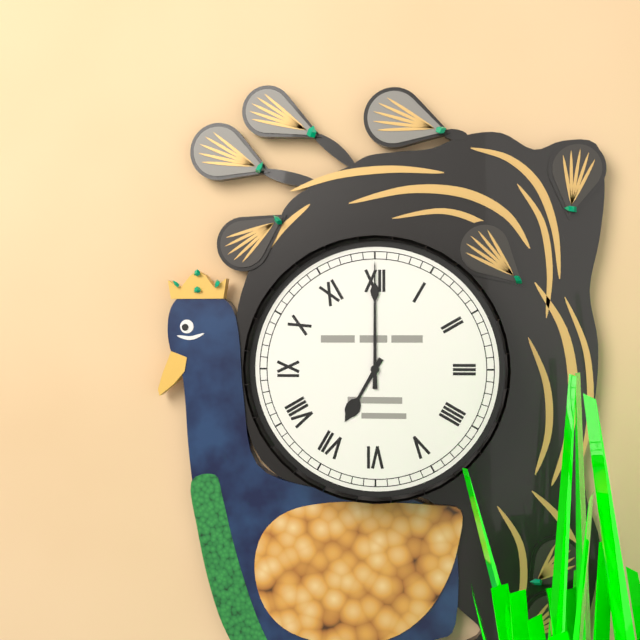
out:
7 h 00 min
